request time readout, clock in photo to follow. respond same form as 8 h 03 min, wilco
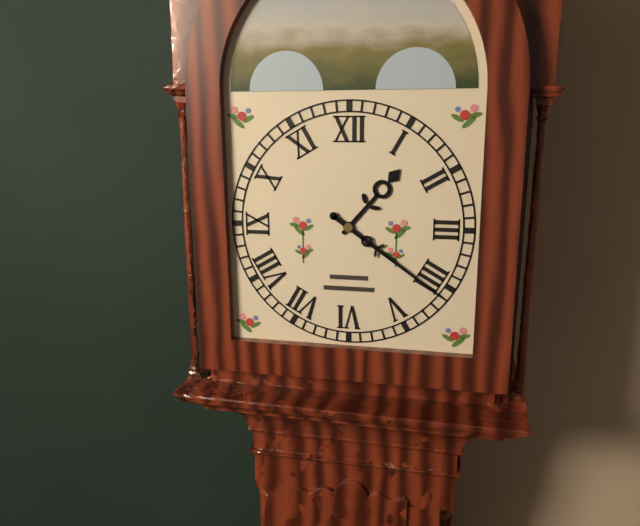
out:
1 h 21 min
